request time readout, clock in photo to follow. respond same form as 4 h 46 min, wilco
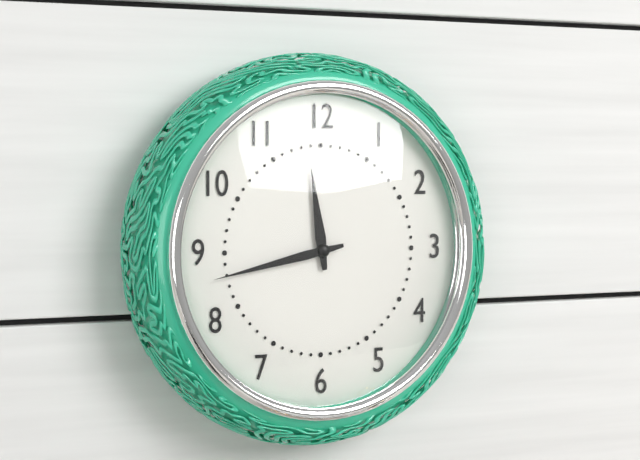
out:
11 h 43 min
